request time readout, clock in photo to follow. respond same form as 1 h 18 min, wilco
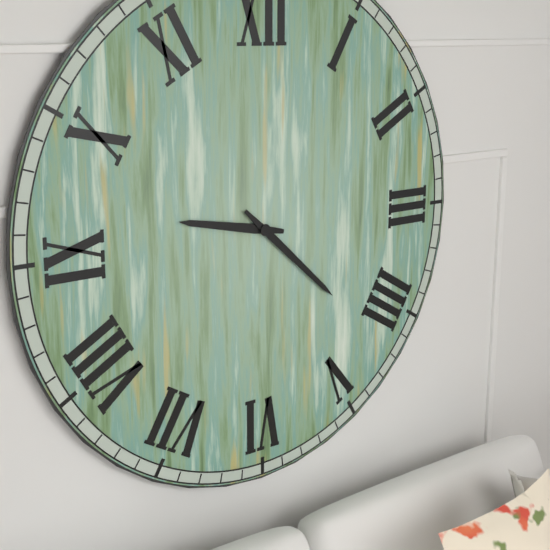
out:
9 h 22 min
